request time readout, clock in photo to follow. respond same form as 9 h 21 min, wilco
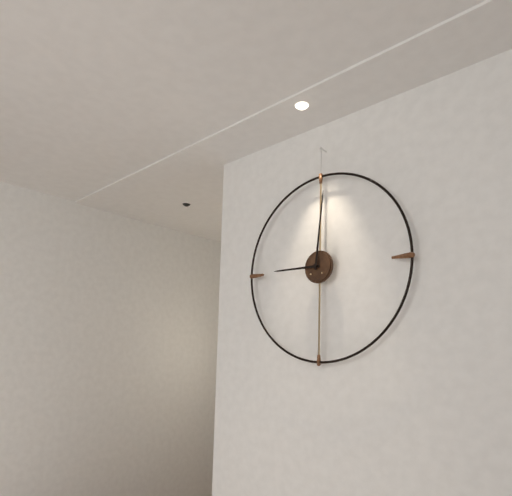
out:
9 h 01 min
